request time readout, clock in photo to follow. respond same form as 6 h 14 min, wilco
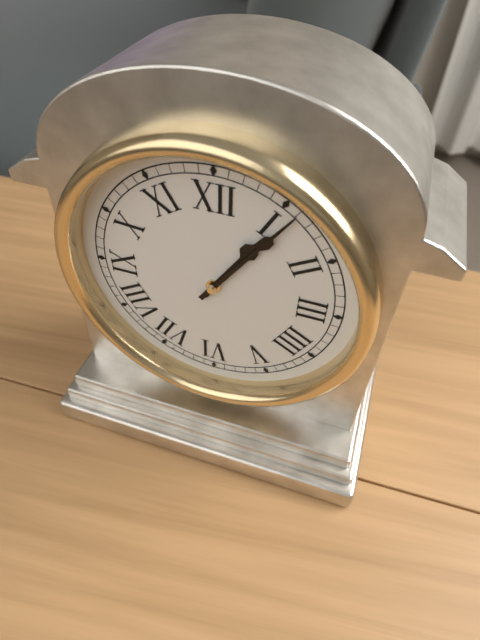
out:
1 h 06 min
